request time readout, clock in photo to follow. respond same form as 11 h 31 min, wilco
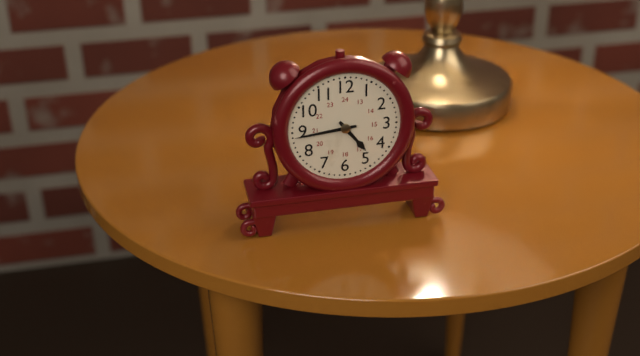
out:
4 h 44 min
